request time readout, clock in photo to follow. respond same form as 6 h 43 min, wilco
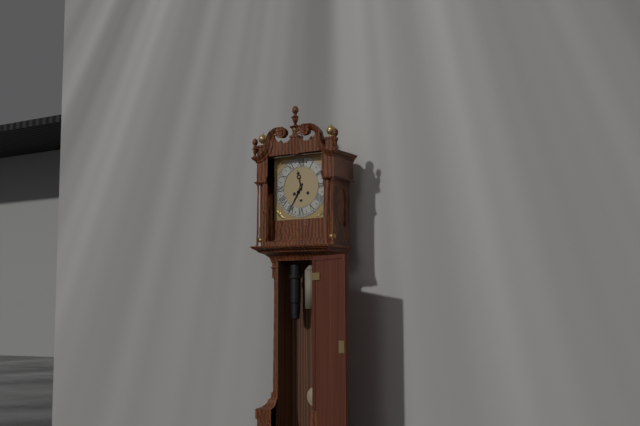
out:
11 h 35 min
